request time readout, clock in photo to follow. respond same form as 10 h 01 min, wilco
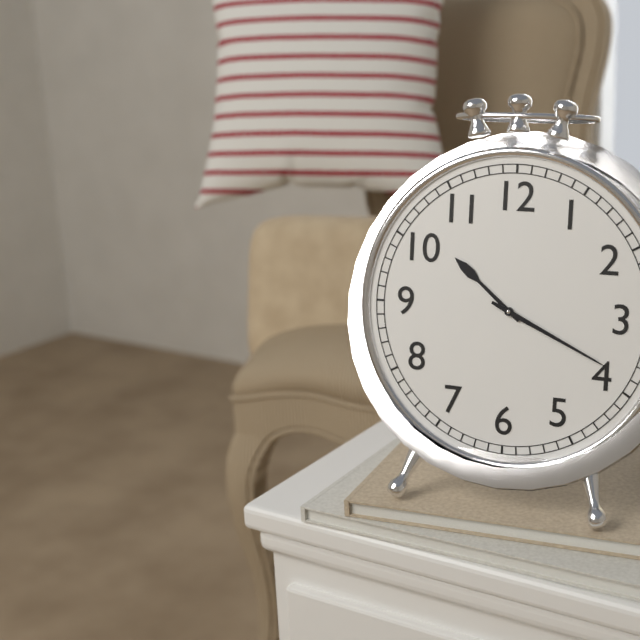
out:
10 h 19 min
